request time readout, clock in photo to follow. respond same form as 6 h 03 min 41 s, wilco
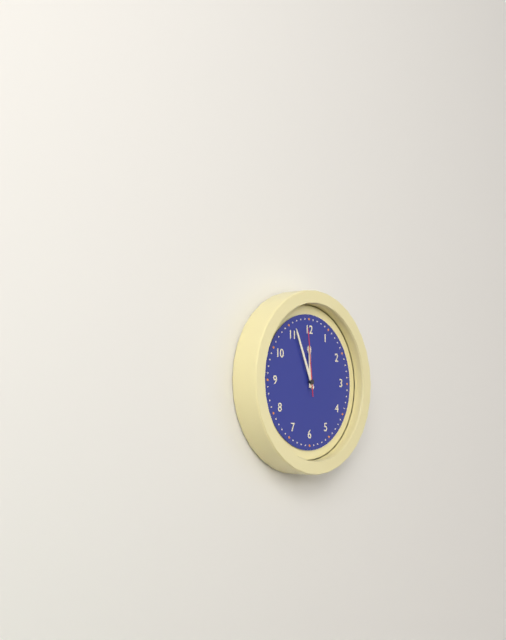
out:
11 h 56 min 59 s
